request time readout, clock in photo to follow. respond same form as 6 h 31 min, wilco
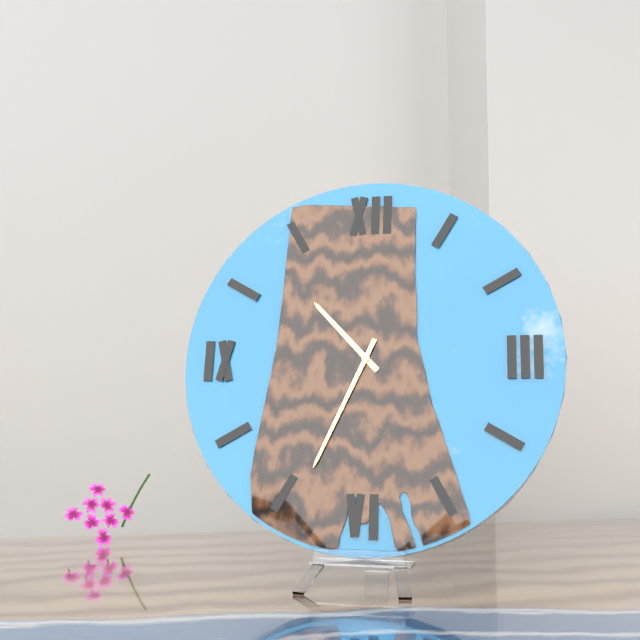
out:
10 h 34 min
